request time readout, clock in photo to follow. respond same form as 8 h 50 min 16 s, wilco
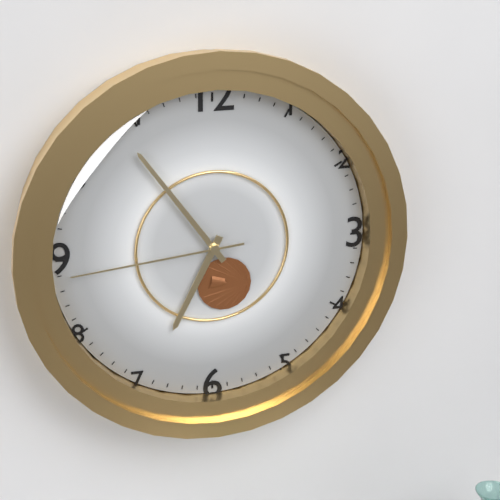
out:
6 h 54 min 44 s
